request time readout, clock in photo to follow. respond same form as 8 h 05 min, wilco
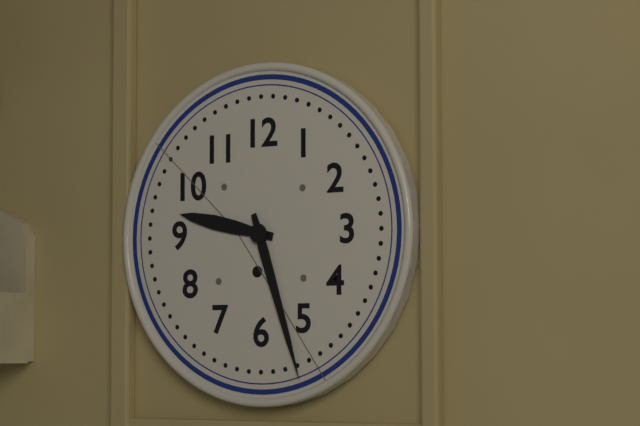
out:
9 h 27 min
